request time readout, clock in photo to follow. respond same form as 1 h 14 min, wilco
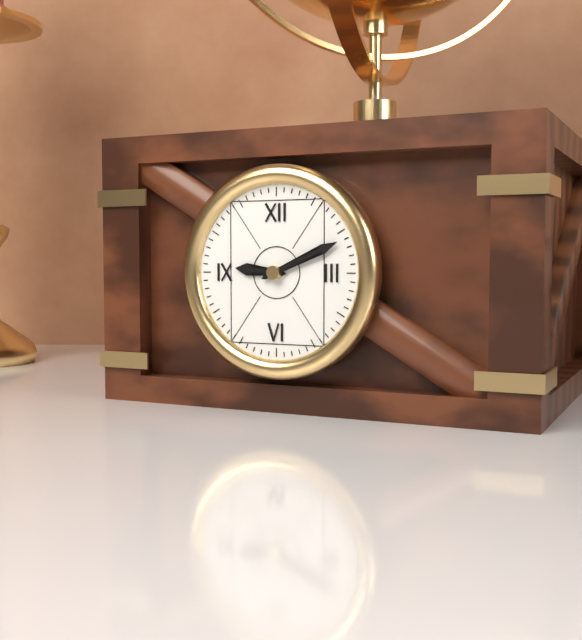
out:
9 h 11 min
